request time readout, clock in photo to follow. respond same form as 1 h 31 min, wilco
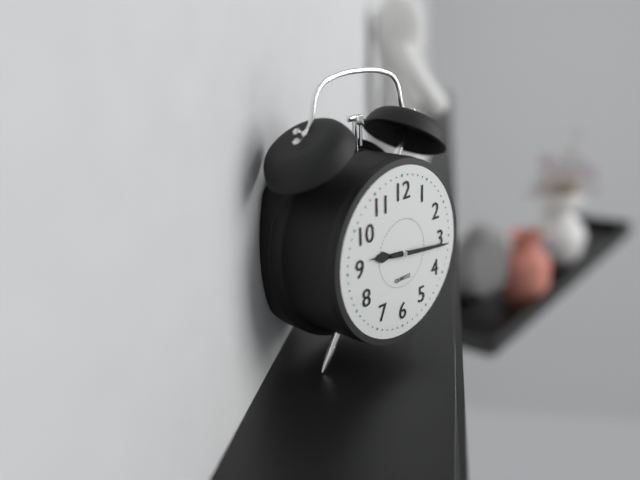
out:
9 h 16 min
